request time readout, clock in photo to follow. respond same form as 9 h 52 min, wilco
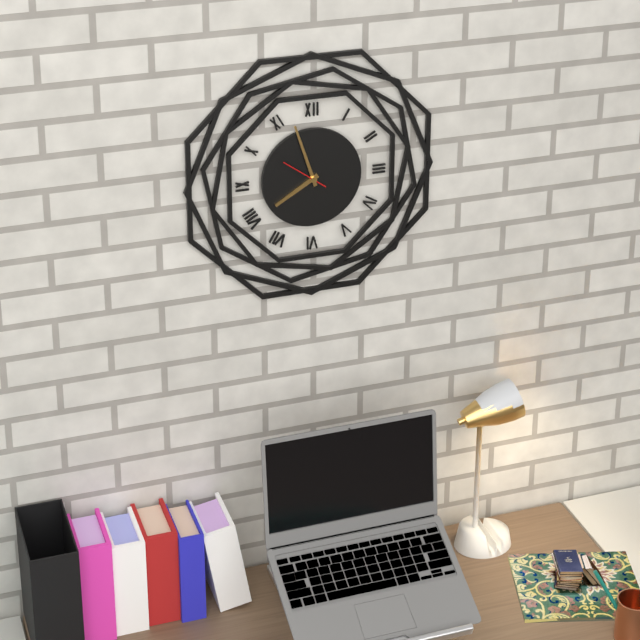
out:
7 h 57 min
